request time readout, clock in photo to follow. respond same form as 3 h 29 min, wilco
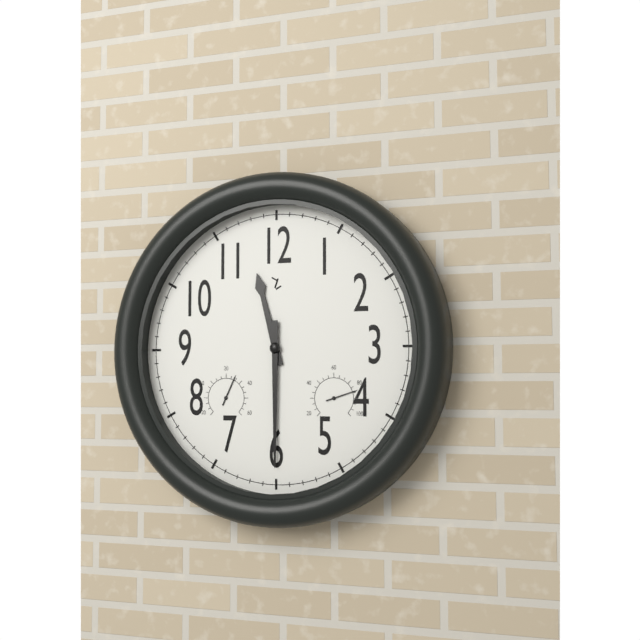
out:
11 h 30 min
